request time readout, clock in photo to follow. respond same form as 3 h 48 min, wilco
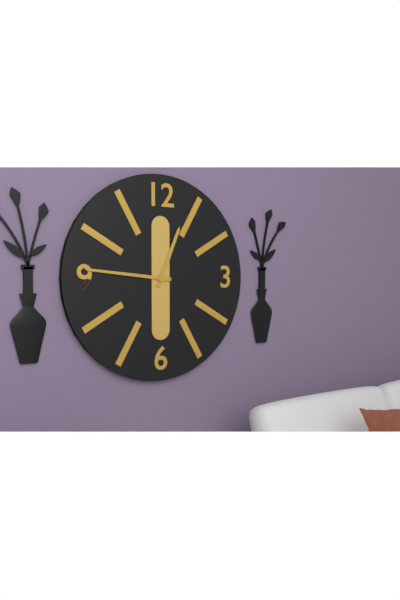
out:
12 h 46 min
